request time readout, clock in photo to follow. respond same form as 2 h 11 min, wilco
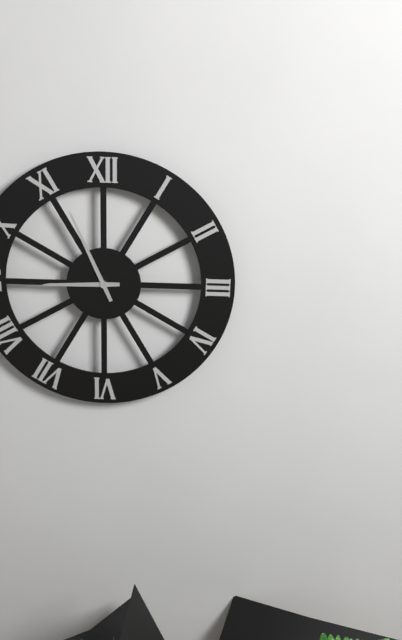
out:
8 h 56 min
